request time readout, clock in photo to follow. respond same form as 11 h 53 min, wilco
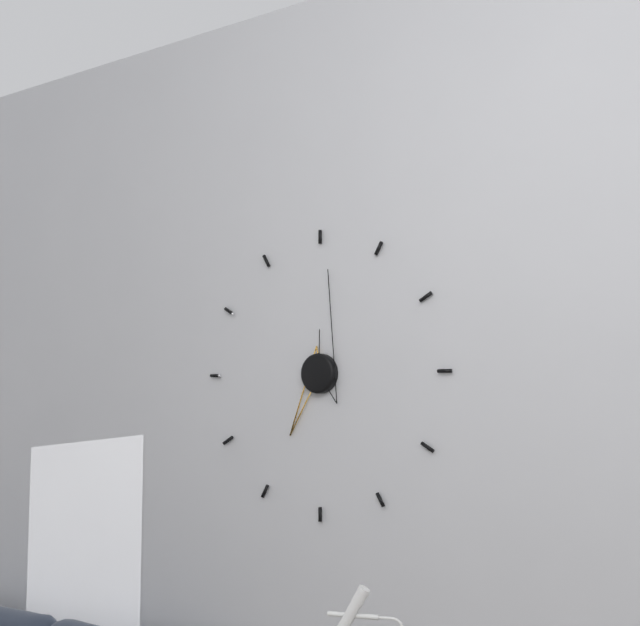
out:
7 h 01 min
